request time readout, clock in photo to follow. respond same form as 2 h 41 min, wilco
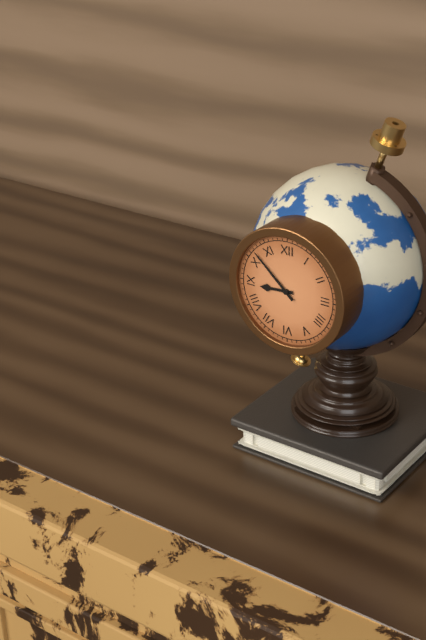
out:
8 h 52 min
